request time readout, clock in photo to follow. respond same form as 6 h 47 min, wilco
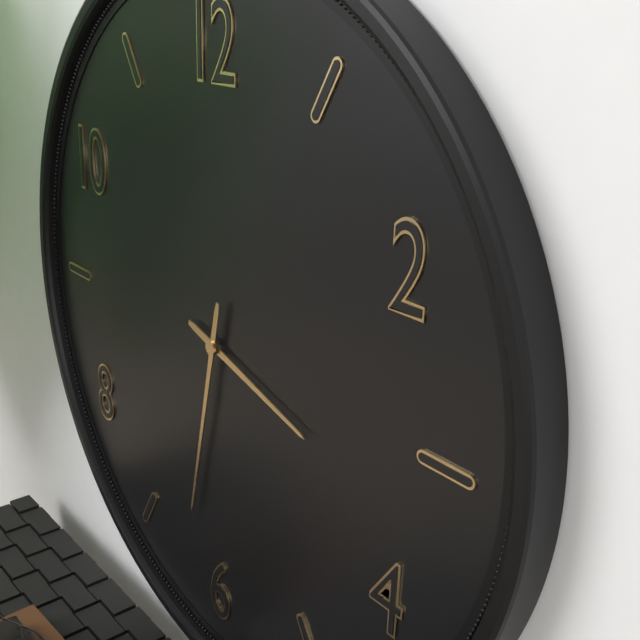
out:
3 h 32 min
